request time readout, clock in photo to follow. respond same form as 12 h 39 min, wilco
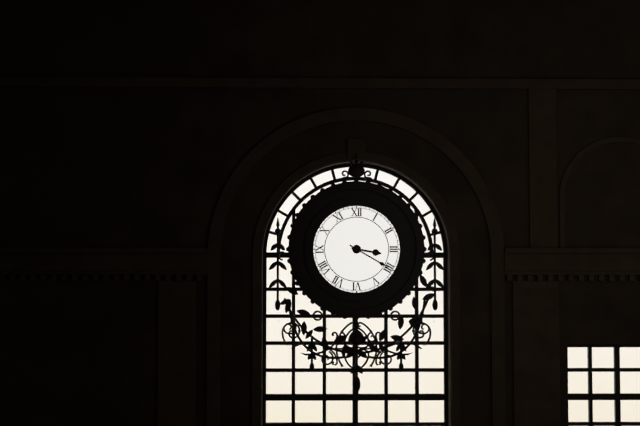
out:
3 h 20 min
